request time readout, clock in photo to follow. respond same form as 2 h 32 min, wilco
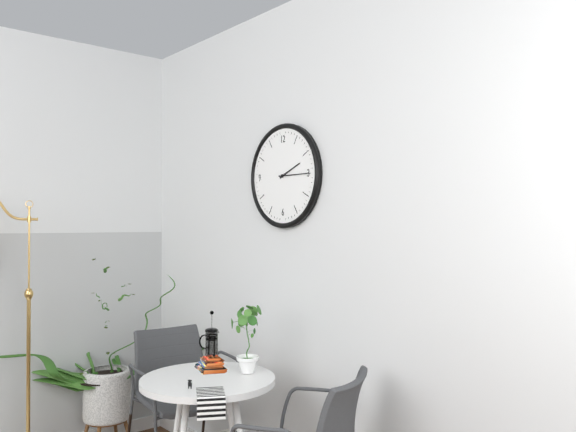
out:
2 h 15 min
